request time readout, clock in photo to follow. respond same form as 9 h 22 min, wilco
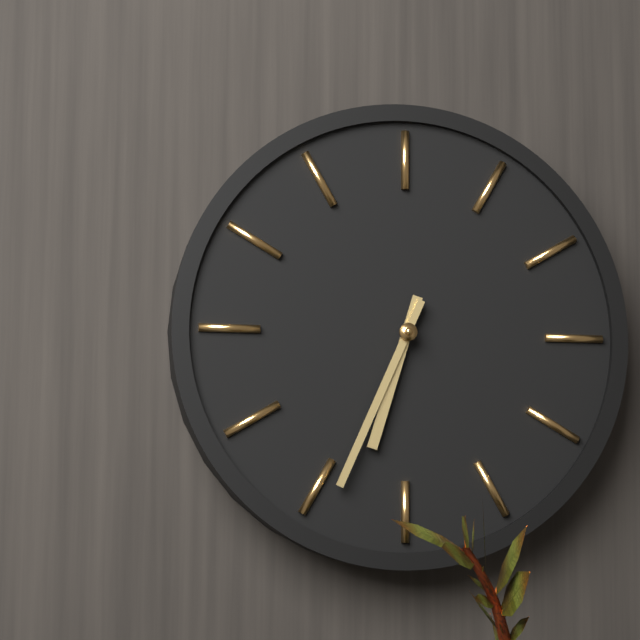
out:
6 h 34 min
